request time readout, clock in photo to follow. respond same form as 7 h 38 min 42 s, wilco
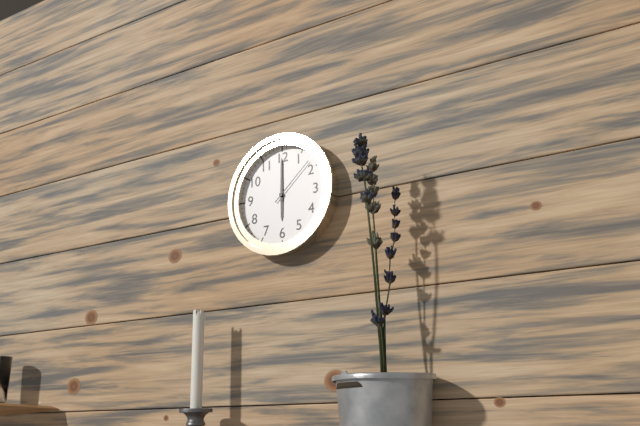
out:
6 h 00 min 08 s
